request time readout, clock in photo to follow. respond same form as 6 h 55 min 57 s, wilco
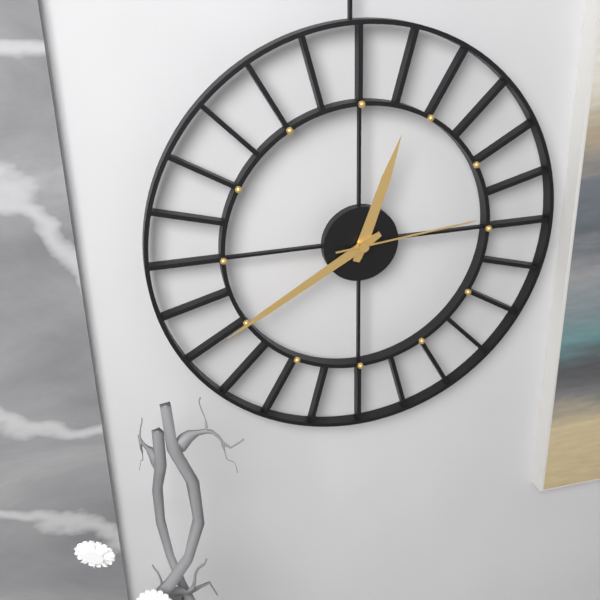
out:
12 h 40 min 14 s
